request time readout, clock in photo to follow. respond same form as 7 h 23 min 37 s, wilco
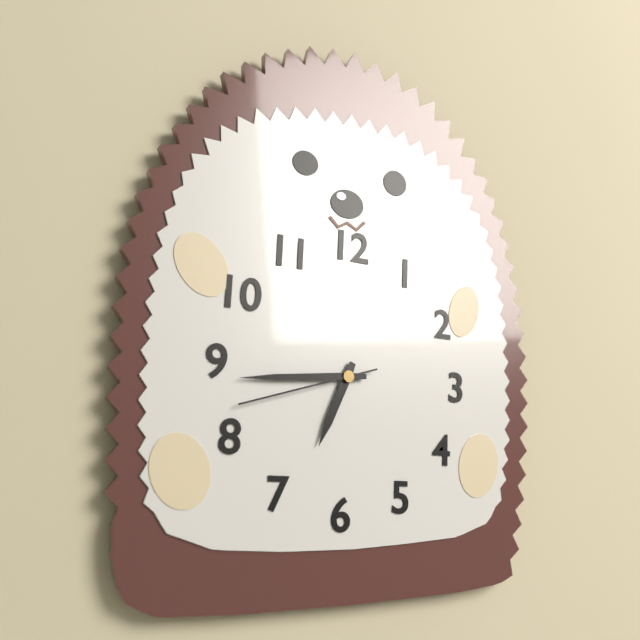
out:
6 h 44 min 42 s
